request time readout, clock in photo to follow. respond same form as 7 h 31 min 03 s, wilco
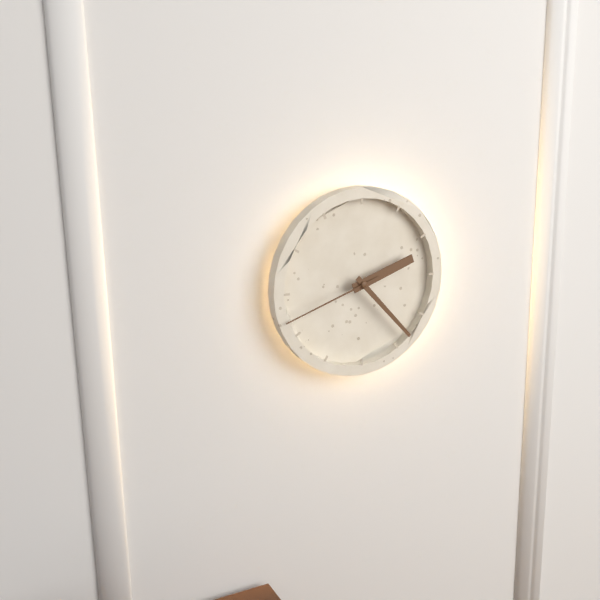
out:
2 h 23 min 42 s
